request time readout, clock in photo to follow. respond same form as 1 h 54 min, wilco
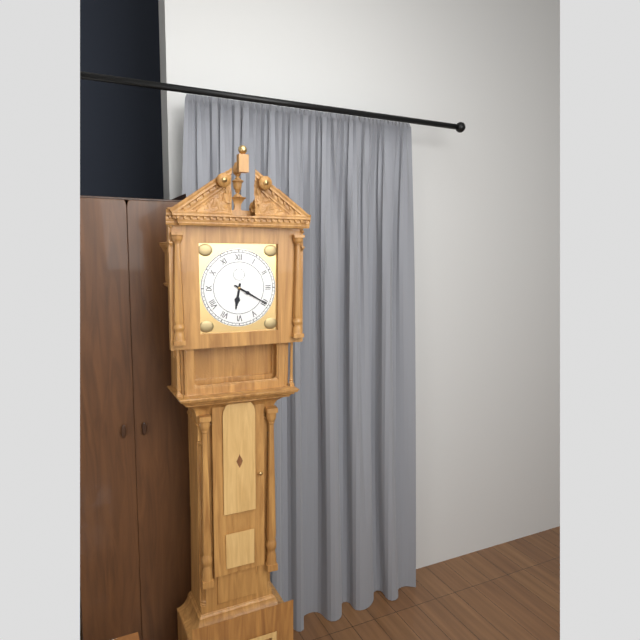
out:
6 h 20 min
